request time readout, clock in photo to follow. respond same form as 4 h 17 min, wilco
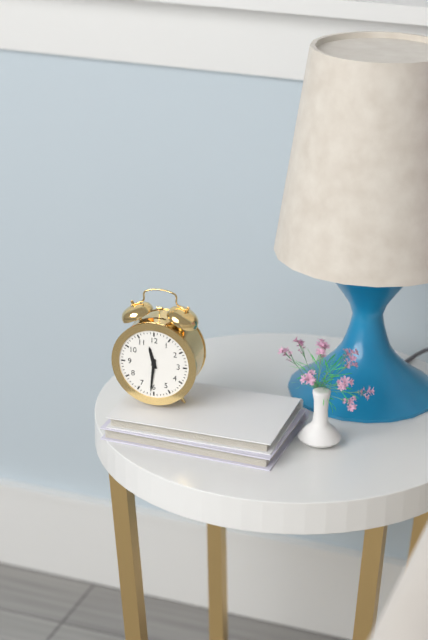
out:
11 h 31 min
